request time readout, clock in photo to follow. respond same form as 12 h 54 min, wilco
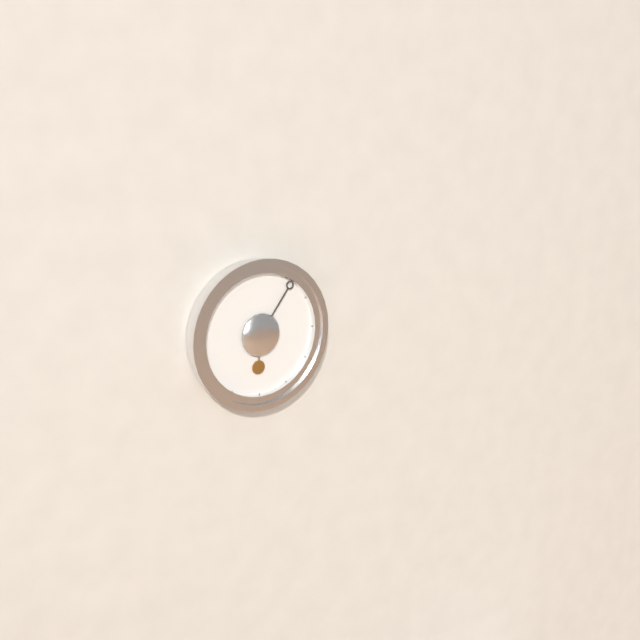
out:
6 h 06 min
